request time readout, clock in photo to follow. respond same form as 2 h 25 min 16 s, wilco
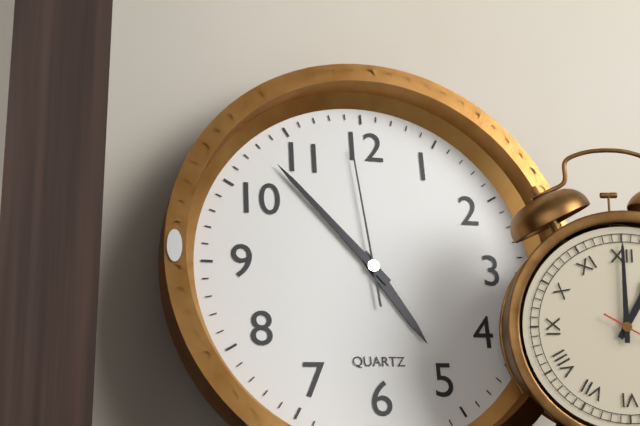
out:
4 h 53 min 59 s
